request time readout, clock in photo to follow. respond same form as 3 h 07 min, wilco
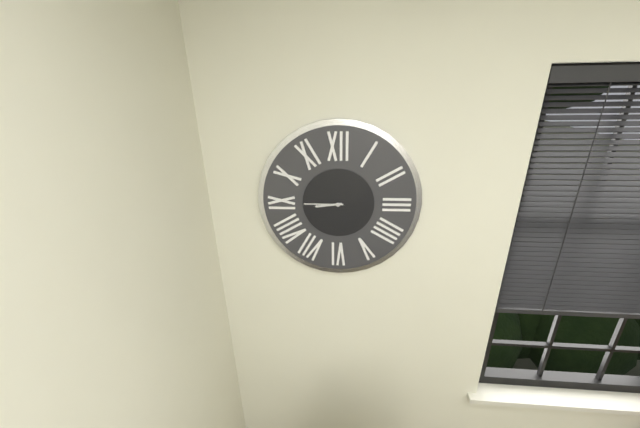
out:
8 h 45 min
